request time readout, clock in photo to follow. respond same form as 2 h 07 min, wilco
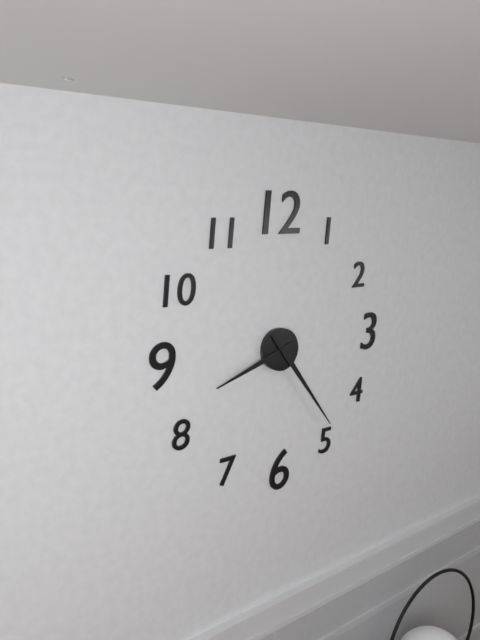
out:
8 h 24 min
